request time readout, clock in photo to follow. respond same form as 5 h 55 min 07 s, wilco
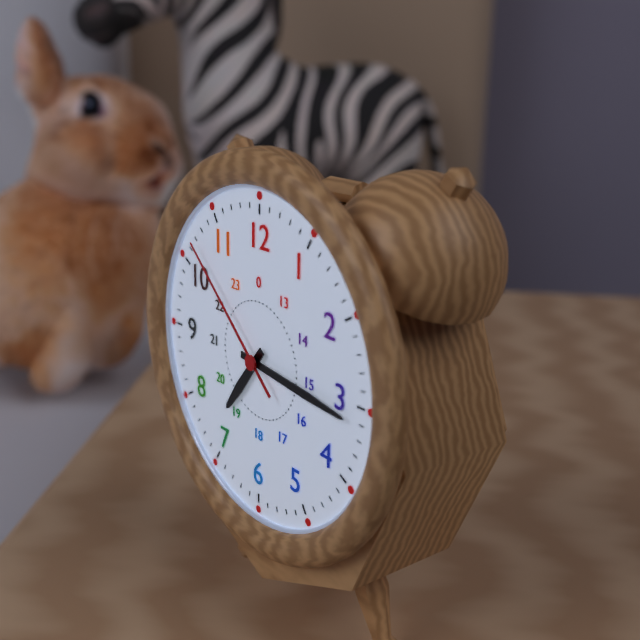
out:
7 h 16 min 52 s
